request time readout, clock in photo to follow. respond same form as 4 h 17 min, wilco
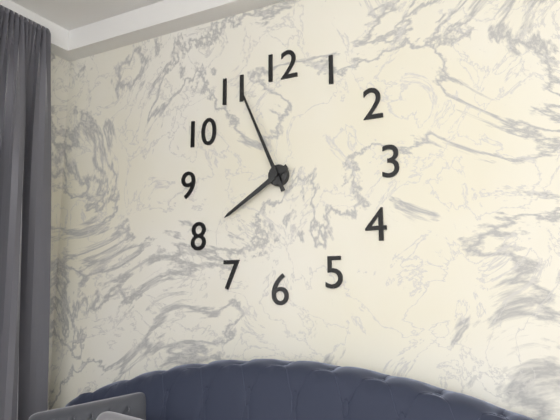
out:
7 h 56 min
